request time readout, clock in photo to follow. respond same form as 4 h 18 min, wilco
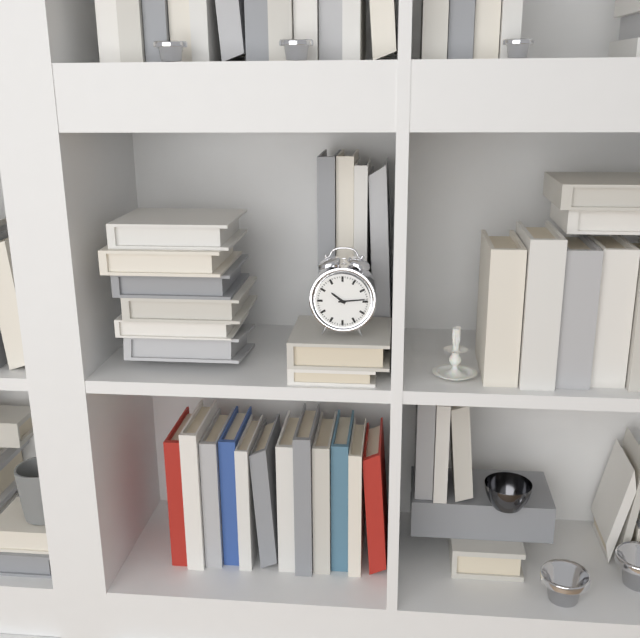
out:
10 h 14 min
